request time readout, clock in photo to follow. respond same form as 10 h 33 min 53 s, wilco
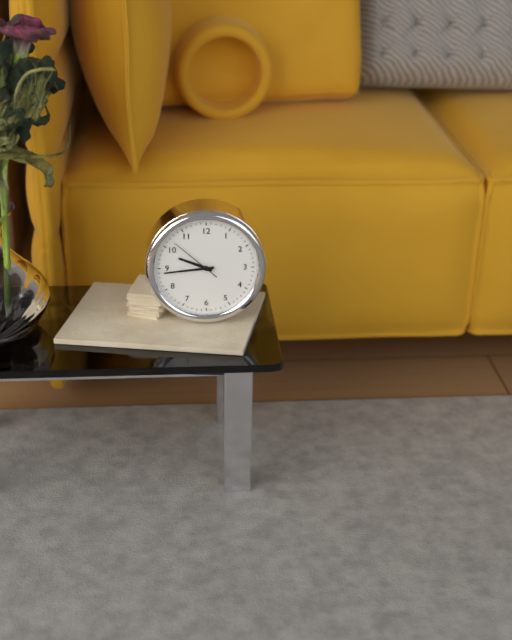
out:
9 h 44 min 52 s
